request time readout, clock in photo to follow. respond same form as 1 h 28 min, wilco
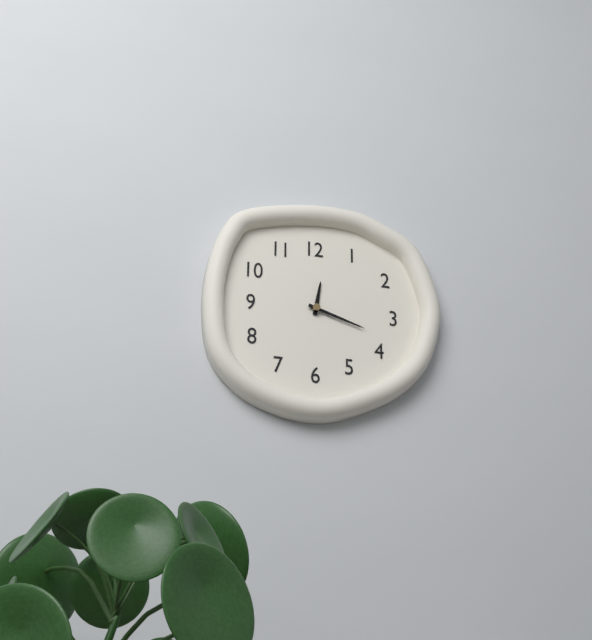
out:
12 h 18 min
